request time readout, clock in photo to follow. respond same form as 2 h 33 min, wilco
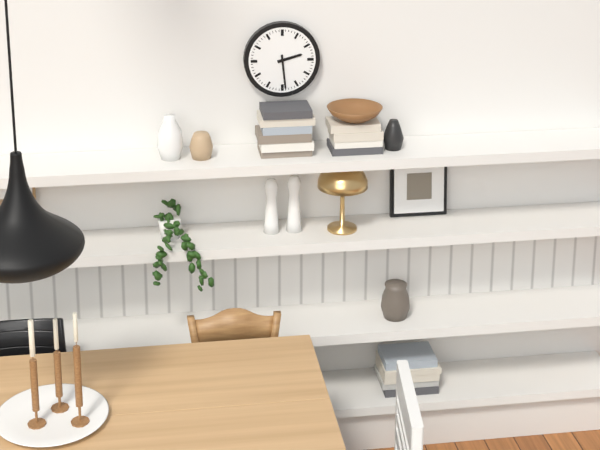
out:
2 h 29 min
